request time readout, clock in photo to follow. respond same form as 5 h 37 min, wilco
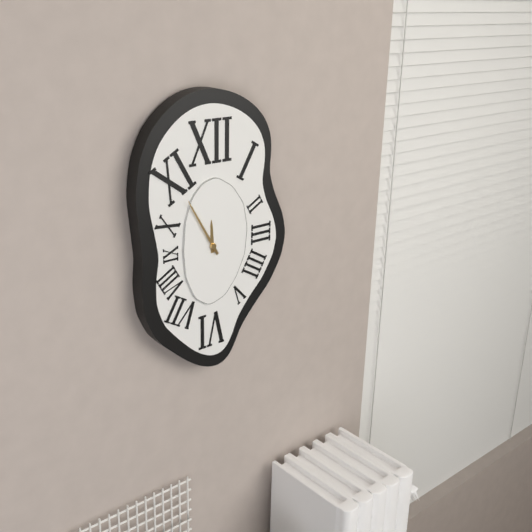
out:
11 h 55 min
